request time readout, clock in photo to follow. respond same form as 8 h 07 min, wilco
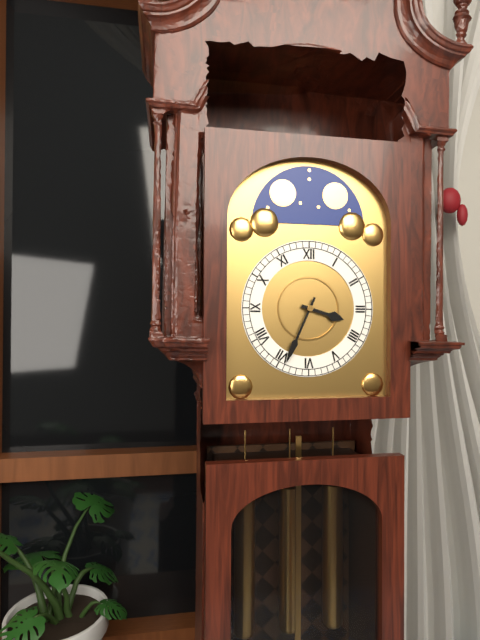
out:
3 h 34 min
